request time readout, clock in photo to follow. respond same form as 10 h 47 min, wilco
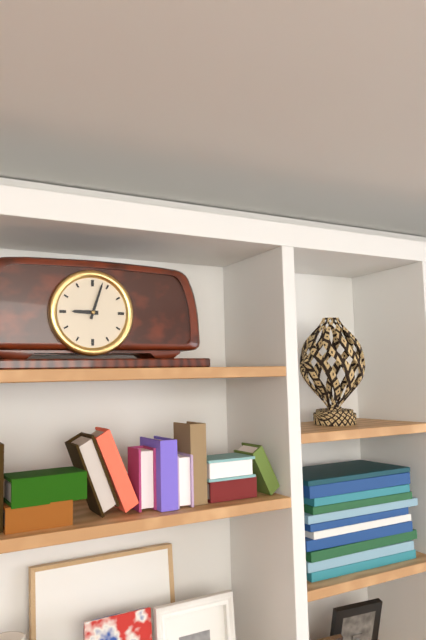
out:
9 h 03 min
